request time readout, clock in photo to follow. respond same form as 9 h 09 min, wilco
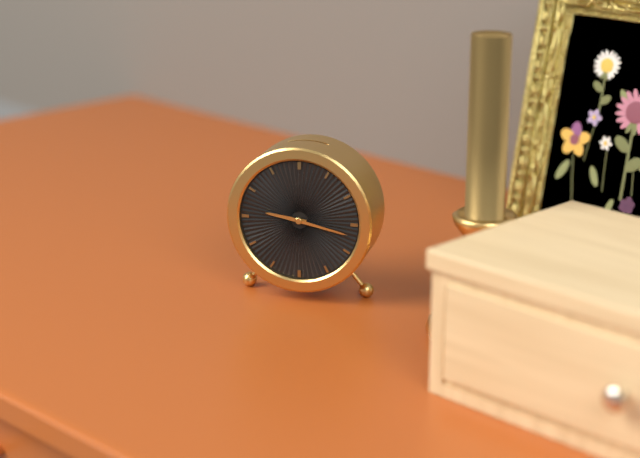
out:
9 h 17 min
